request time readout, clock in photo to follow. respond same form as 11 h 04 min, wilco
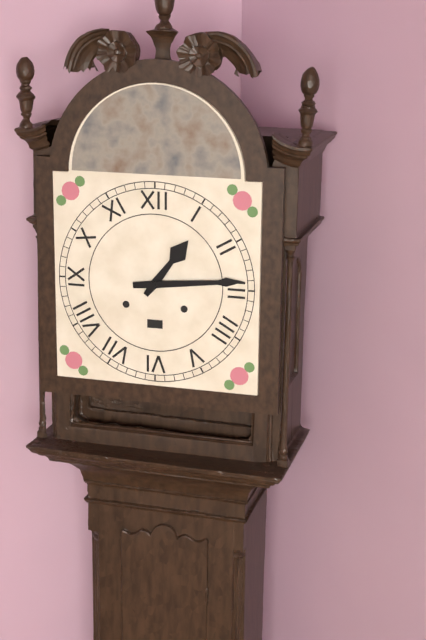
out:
1 h 14 min
